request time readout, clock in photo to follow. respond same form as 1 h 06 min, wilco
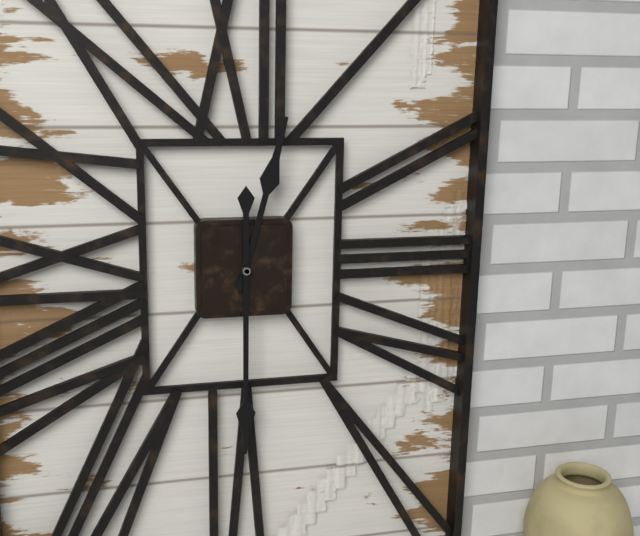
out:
12 h 30 min
